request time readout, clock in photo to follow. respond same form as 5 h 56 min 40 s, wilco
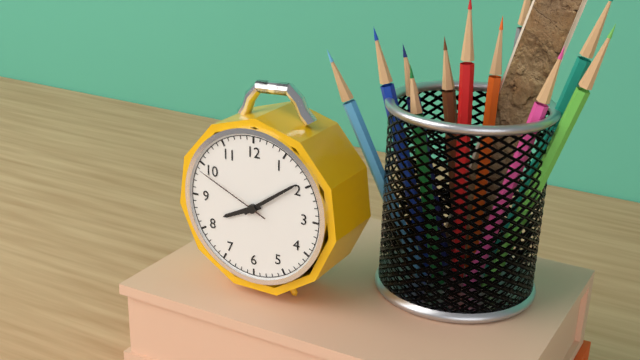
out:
8 h 09 min 49 s
